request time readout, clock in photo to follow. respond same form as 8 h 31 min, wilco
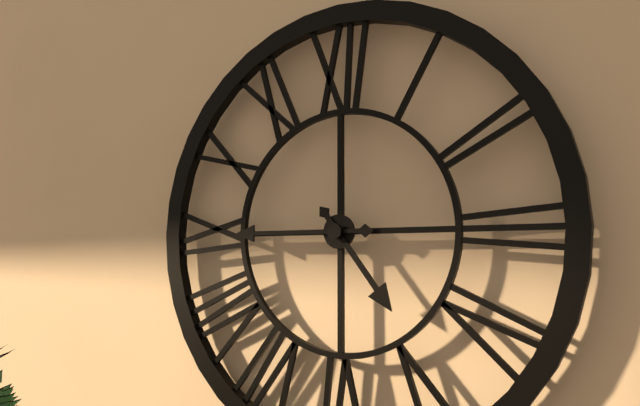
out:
4 h 45 min
